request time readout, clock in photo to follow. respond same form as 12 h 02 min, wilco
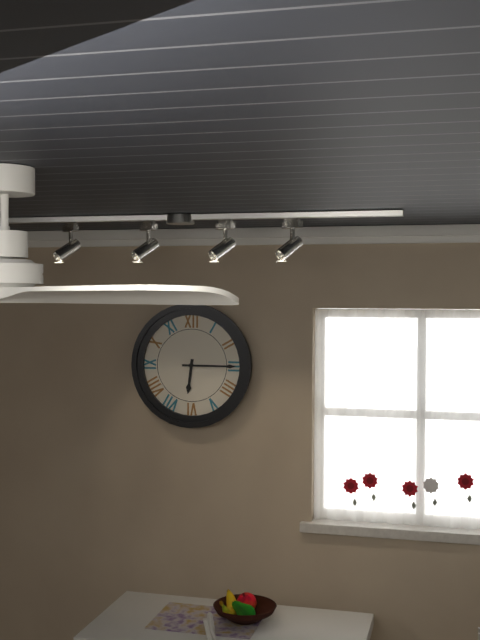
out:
6 h 15 min
